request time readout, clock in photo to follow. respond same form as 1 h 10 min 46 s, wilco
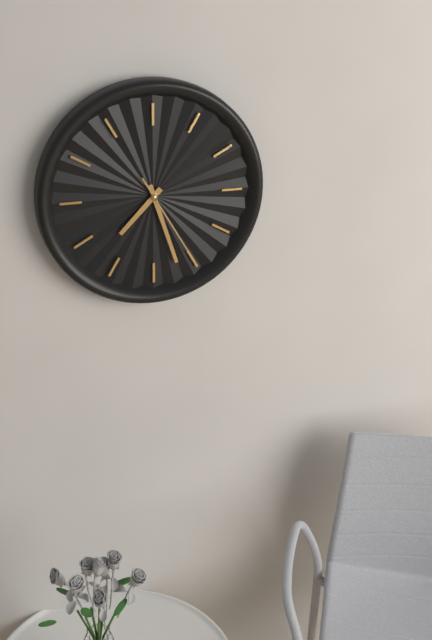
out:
7 h 27 min 25 s
